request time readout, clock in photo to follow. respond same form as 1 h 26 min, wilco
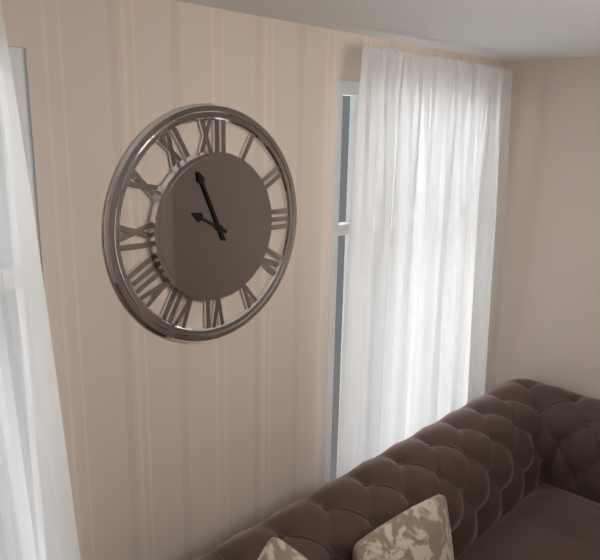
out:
9 h 56 min
